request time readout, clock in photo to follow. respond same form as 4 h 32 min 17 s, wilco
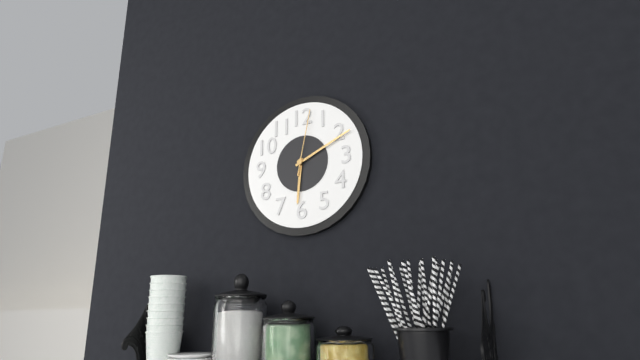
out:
6 h 11 min 02 s
